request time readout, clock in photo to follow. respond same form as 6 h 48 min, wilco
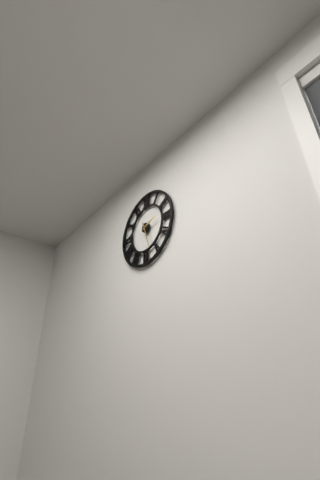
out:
2 h 27 min
